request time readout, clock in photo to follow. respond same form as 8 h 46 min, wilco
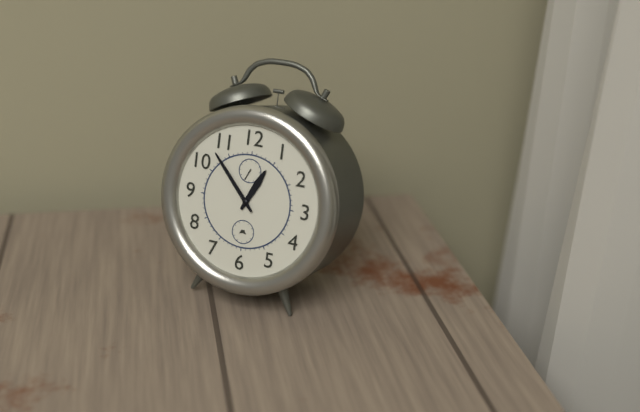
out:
12 h 53 min
